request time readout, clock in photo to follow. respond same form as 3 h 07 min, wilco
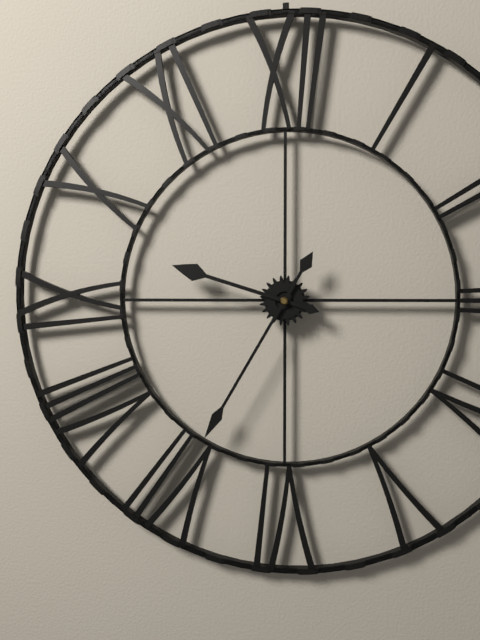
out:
9 h 35 min
